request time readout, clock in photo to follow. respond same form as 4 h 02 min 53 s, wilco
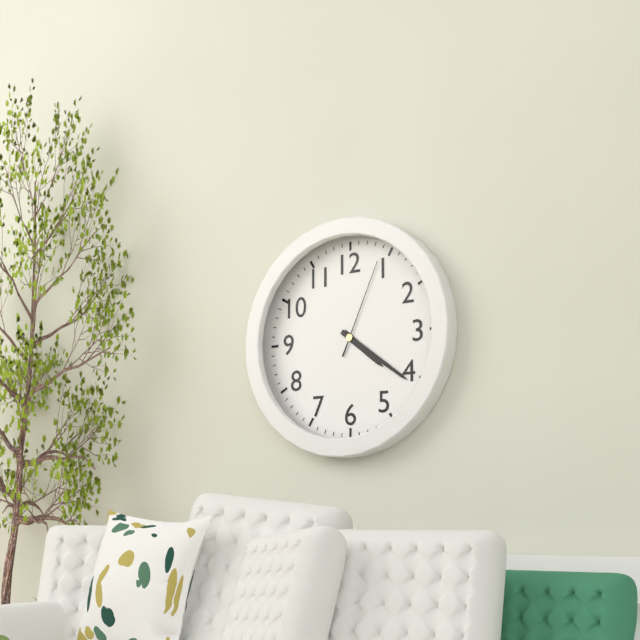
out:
4 h 21 min 04 s
